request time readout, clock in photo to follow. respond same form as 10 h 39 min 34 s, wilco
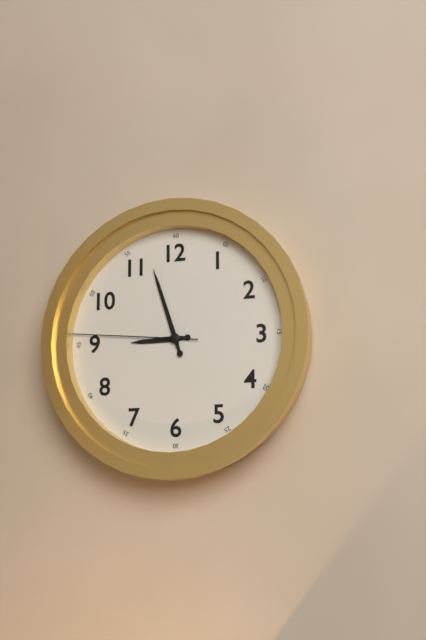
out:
8 h 57 min 46 s
